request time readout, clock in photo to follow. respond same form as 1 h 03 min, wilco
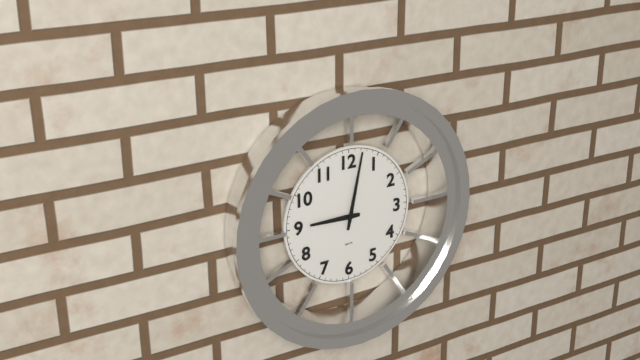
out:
9 h 02 min
